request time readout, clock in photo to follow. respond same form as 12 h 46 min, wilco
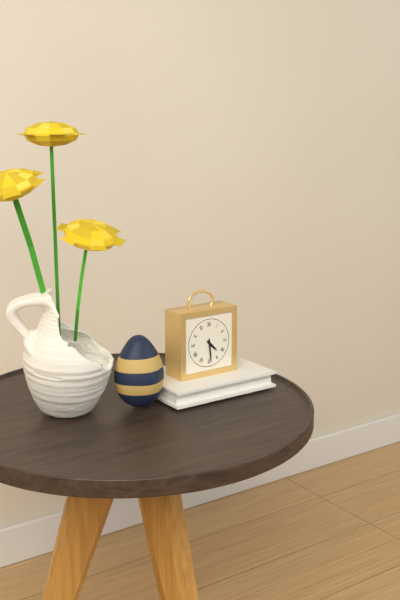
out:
4 h 29 min
